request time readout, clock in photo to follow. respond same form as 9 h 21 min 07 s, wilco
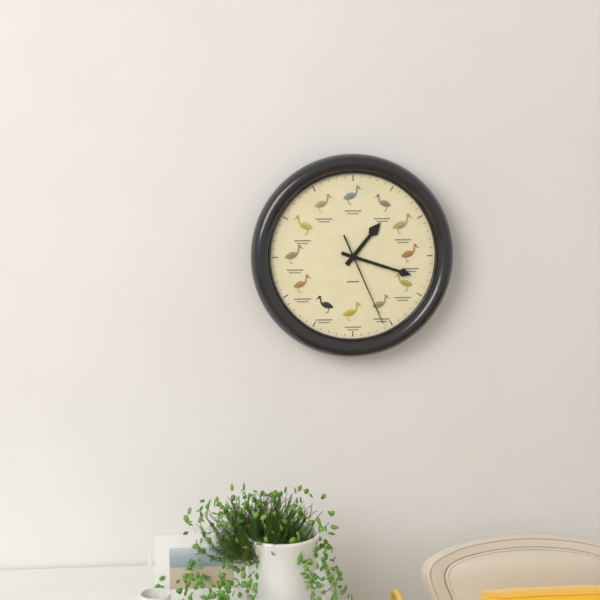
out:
1 h 18 min 26 s
